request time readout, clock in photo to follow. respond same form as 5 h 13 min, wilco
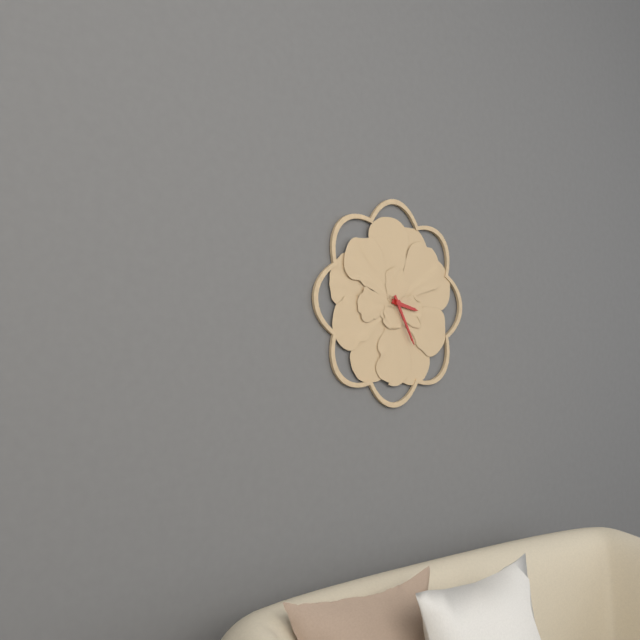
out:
3 h 25 min
